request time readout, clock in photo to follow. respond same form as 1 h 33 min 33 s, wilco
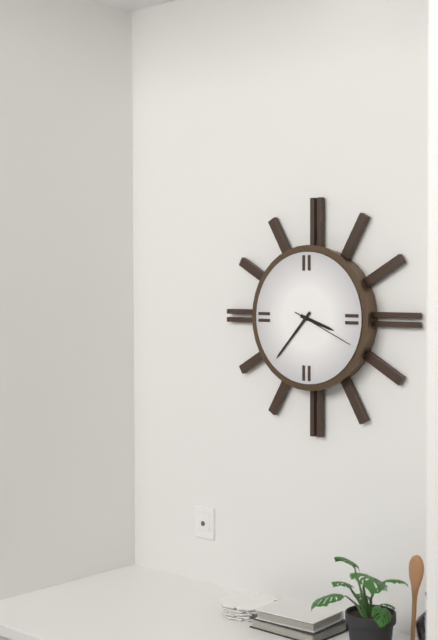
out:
3 h 37 min 19 s
